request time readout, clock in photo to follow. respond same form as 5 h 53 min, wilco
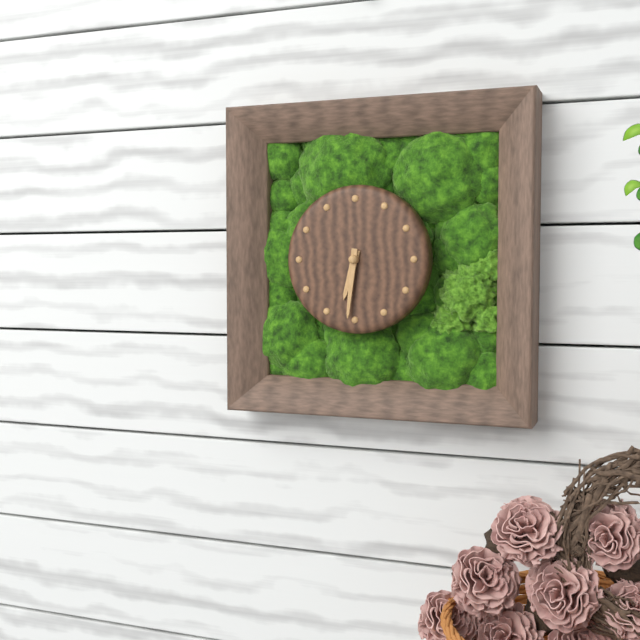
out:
6 h 31 min
